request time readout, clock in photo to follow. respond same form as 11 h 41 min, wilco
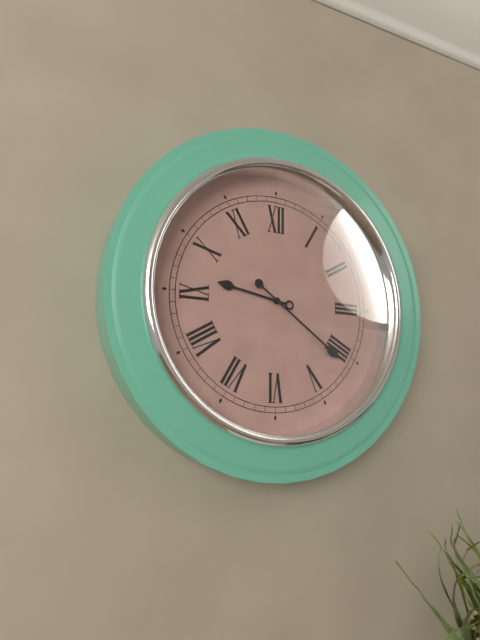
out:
9 h 21 min
